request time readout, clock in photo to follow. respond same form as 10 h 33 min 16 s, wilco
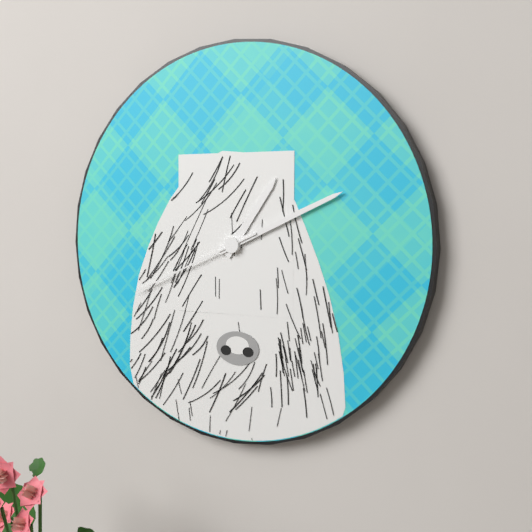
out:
1 h 11 min 41 s
